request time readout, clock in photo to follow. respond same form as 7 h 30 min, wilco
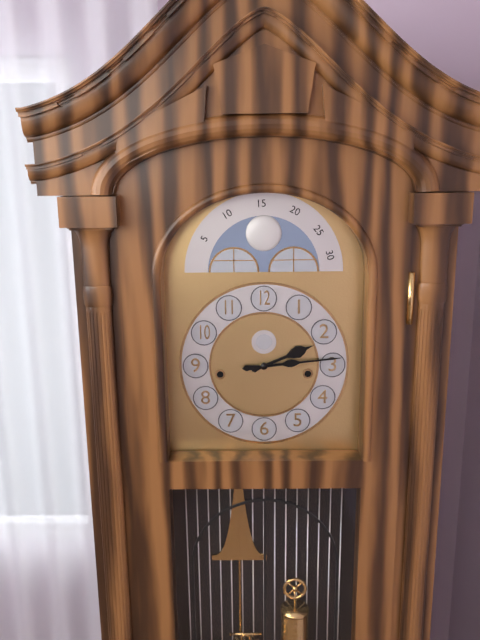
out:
2 h 14 min
